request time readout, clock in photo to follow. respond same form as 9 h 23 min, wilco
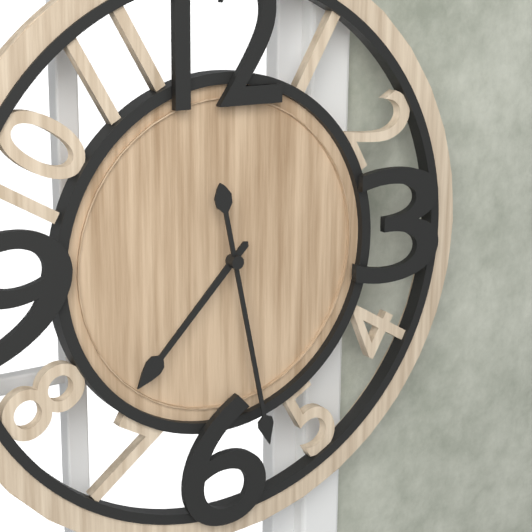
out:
7 h 28 min
